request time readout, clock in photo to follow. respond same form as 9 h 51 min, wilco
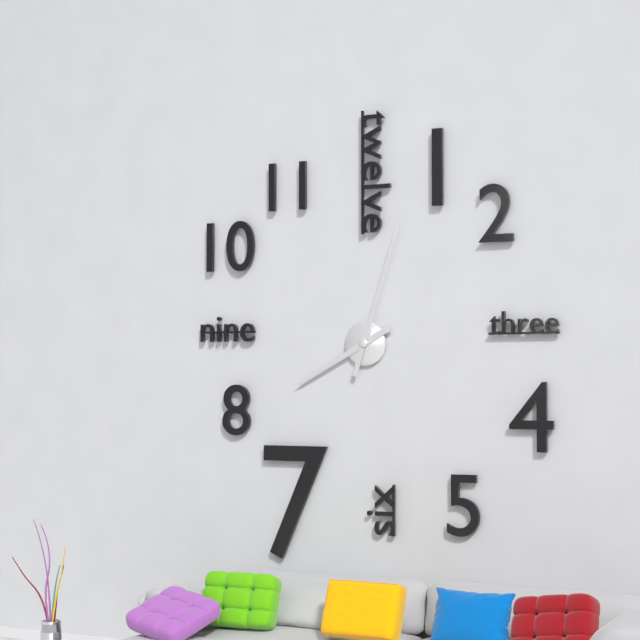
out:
8 h 03 min
